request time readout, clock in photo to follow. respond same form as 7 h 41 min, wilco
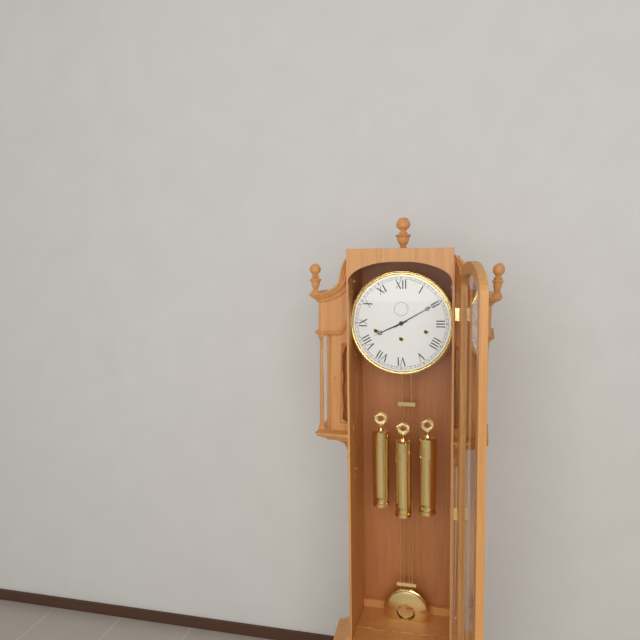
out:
8 h 10 min
